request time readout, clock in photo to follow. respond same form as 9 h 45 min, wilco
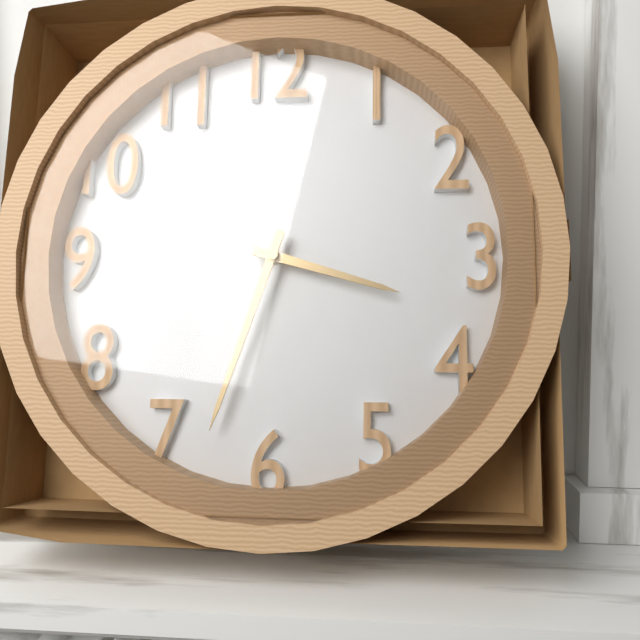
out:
3 h 33 min
